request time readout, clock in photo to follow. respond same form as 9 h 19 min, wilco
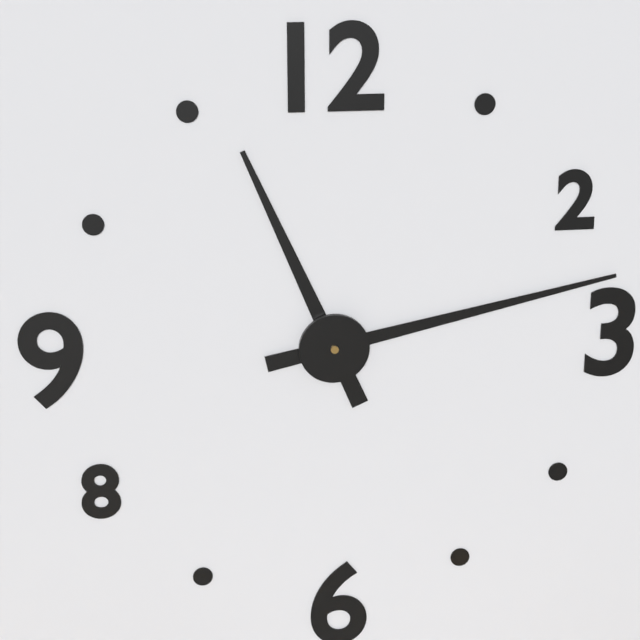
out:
11 h 13 min
